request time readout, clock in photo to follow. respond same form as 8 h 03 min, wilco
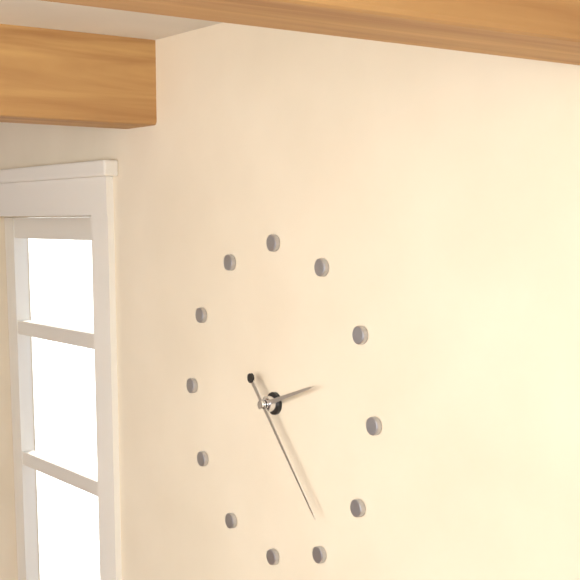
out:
2 h 23 min
